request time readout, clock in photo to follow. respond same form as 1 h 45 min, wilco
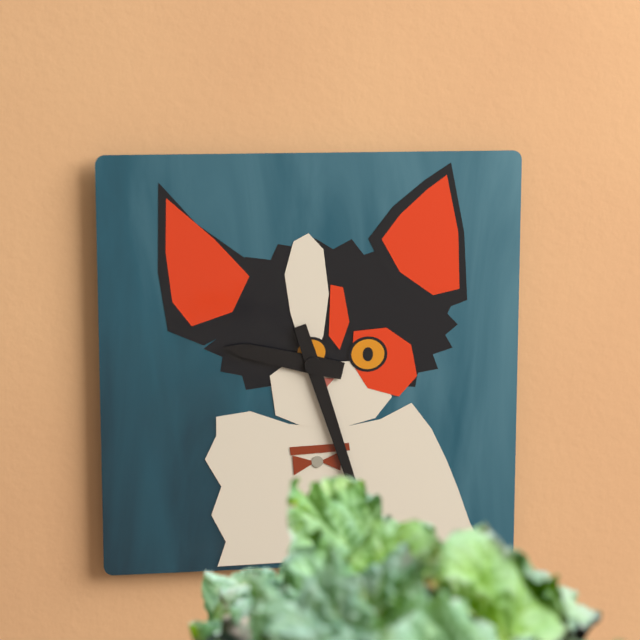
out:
9 h 27 min
